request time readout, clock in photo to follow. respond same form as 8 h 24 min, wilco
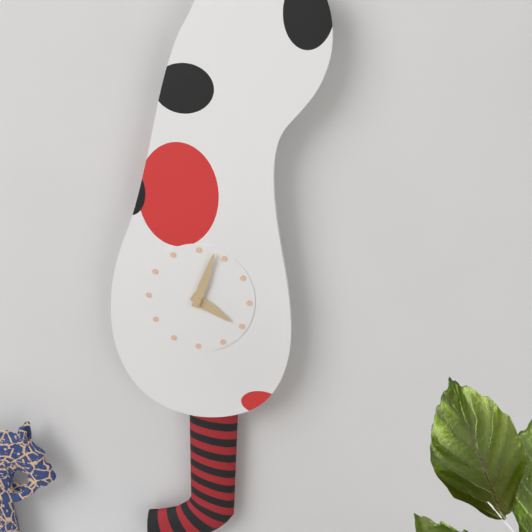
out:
4 h 03 min
